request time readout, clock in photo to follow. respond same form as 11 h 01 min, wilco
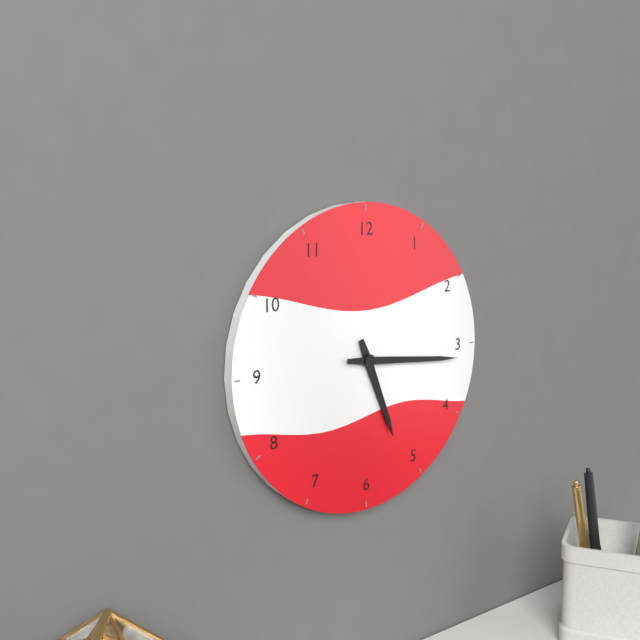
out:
5 h 16 min
